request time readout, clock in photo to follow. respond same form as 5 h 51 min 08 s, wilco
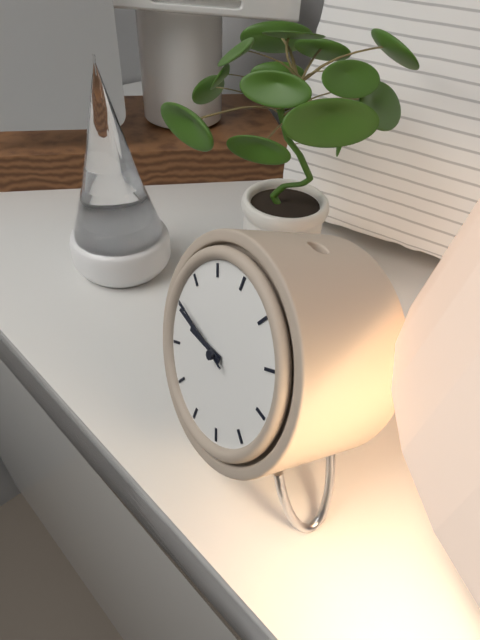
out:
8 h 45 min 46 s
